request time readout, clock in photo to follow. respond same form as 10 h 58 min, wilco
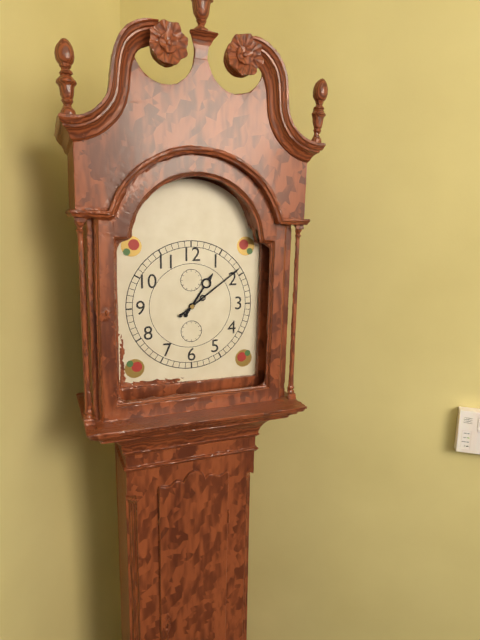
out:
1 h 09 min
